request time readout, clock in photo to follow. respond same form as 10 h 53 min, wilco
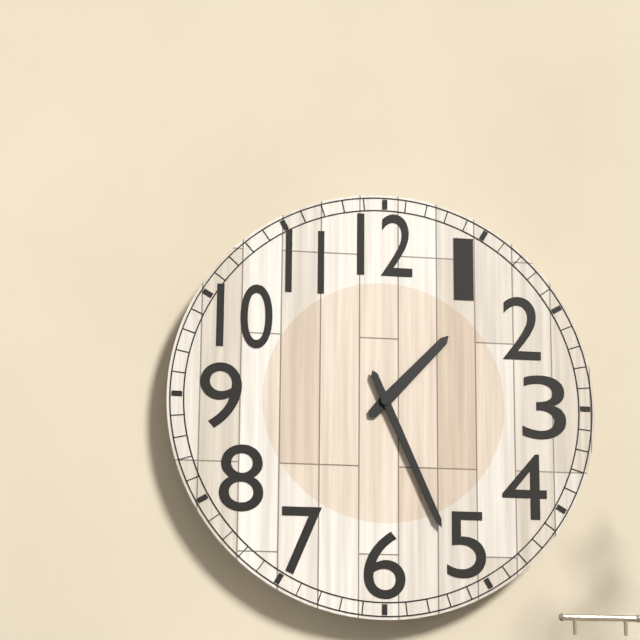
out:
1 h 26 min
